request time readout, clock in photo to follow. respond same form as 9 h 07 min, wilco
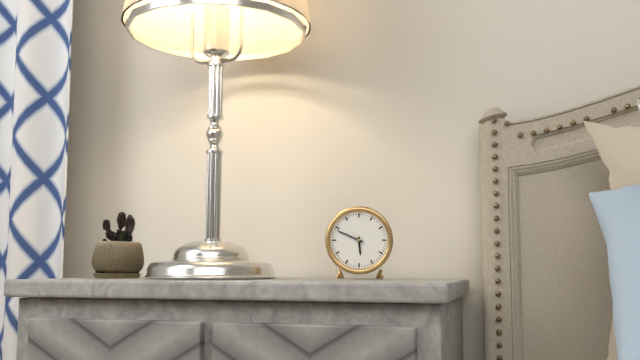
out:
5 h 49 min
